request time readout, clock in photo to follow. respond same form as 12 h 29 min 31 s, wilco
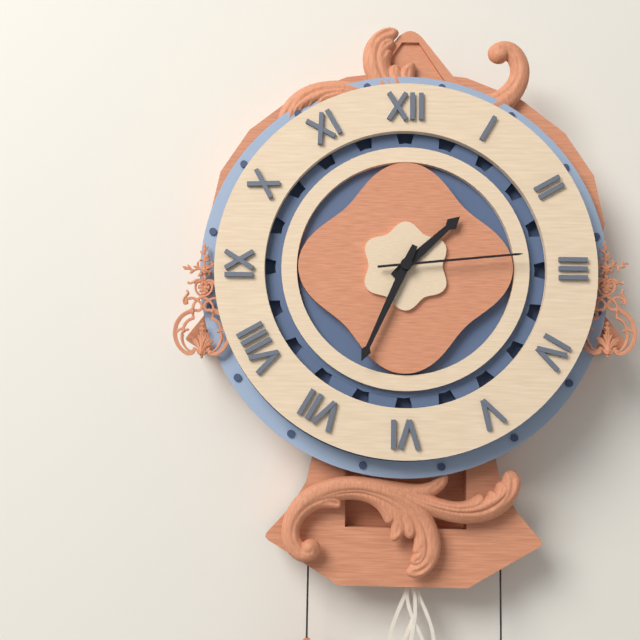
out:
1 h 34 min 14 s
